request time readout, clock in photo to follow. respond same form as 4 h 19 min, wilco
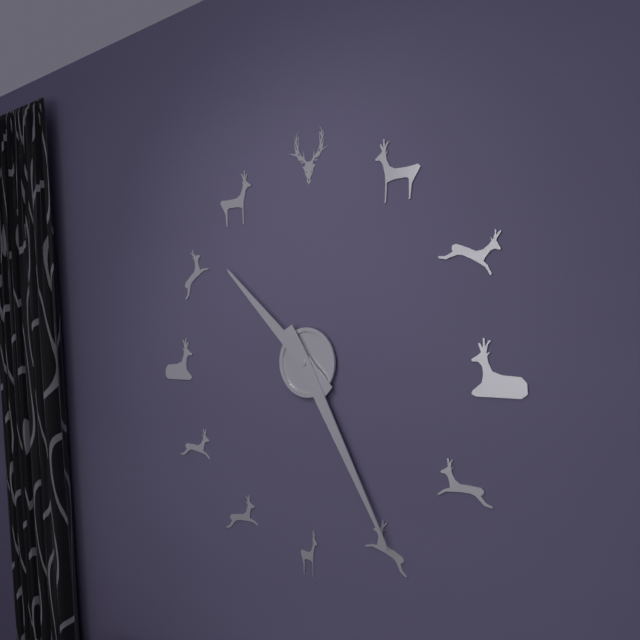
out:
10 h 25 min
